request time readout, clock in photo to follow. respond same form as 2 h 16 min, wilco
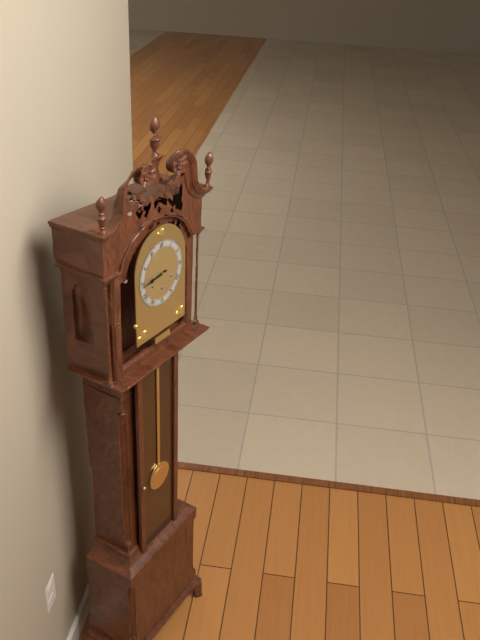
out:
8 h 44 min
